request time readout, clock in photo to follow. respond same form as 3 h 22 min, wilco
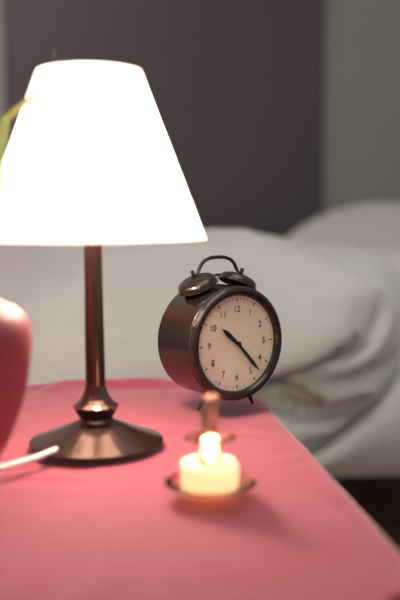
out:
10 h 23 min
